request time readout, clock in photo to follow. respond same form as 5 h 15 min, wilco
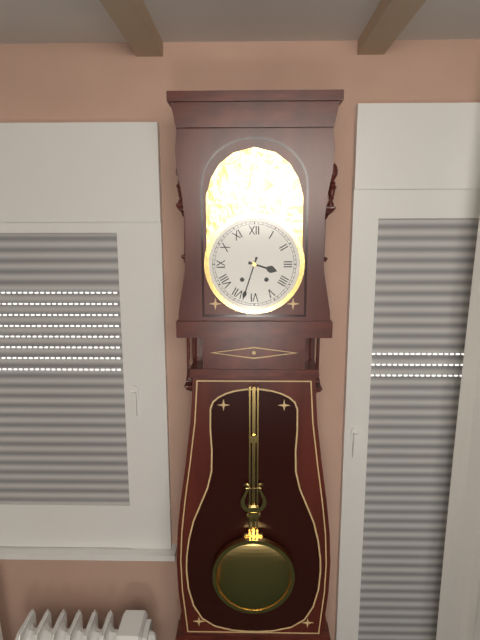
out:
3 h 33 min
